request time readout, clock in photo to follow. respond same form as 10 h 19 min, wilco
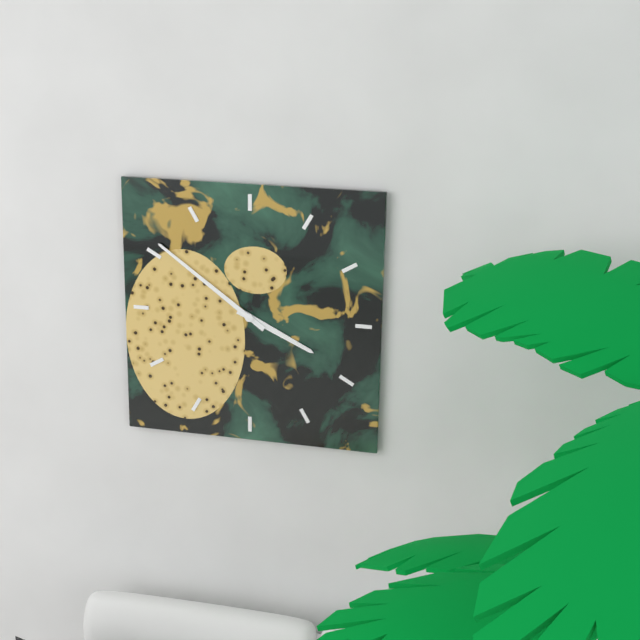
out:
3 h 51 min
